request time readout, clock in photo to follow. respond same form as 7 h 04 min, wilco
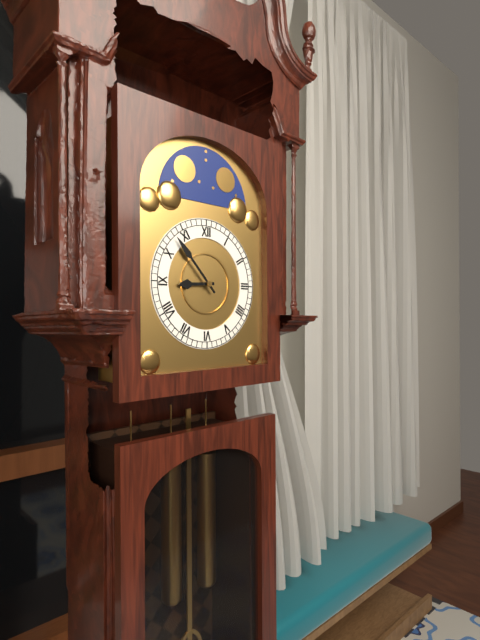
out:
8 h 53 min
